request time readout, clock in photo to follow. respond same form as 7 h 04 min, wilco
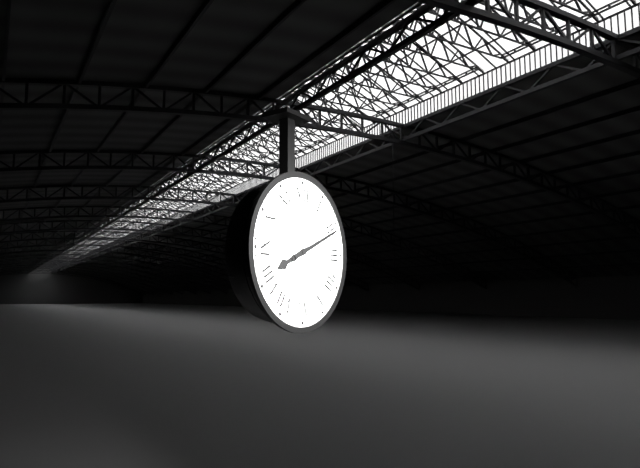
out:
8 h 11 min
